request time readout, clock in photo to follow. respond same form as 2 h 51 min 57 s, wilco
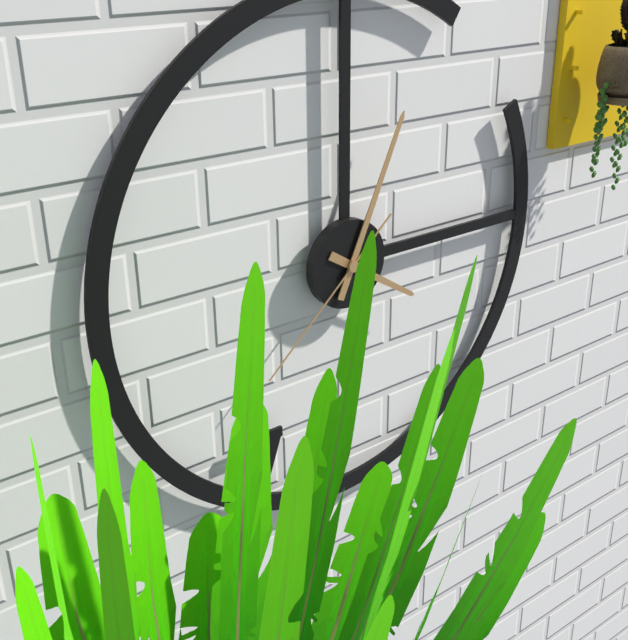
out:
4 h 04 min 38 s
